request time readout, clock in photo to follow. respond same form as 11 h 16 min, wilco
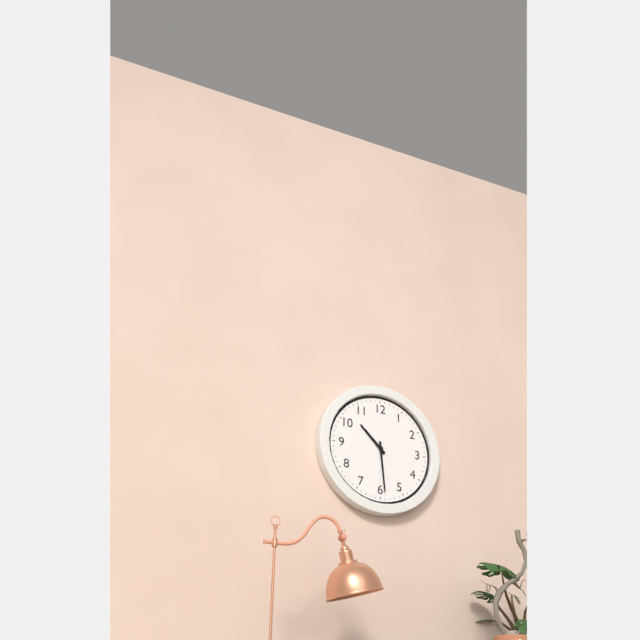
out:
10 h 29 min
